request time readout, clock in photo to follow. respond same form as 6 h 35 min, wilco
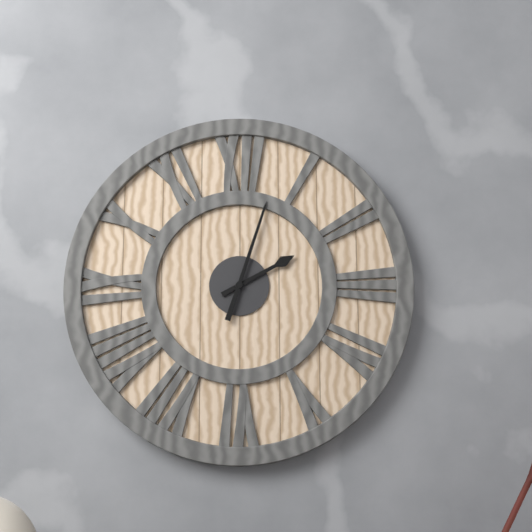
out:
2 h 03 min
